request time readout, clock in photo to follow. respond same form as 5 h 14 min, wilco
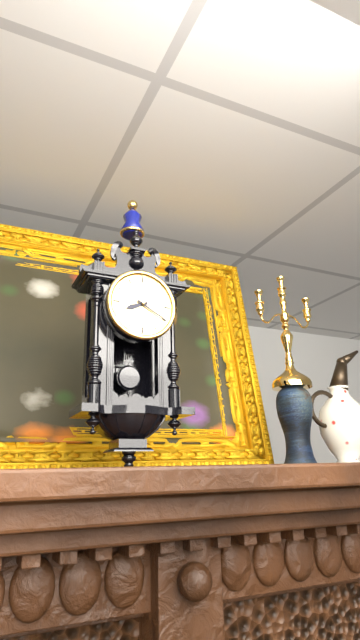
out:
8 h 20 min
